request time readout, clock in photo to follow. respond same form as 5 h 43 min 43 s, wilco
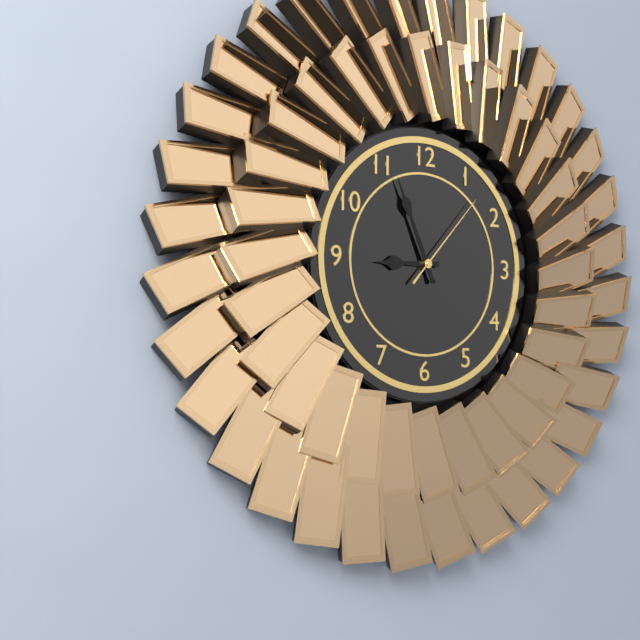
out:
8 h 56 min 07 s
